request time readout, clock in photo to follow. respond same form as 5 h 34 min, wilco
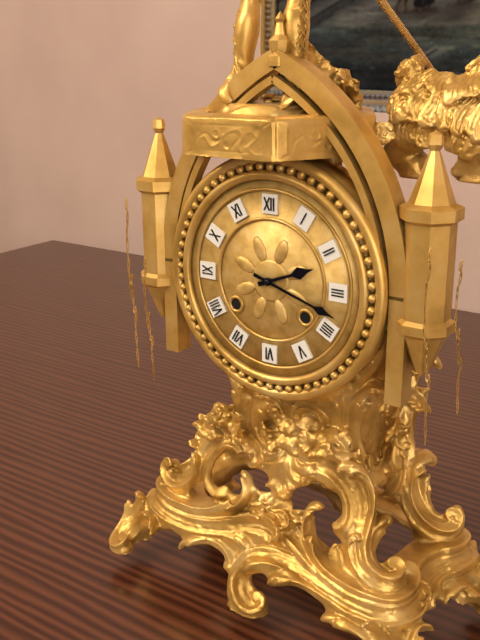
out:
2 h 18 min
